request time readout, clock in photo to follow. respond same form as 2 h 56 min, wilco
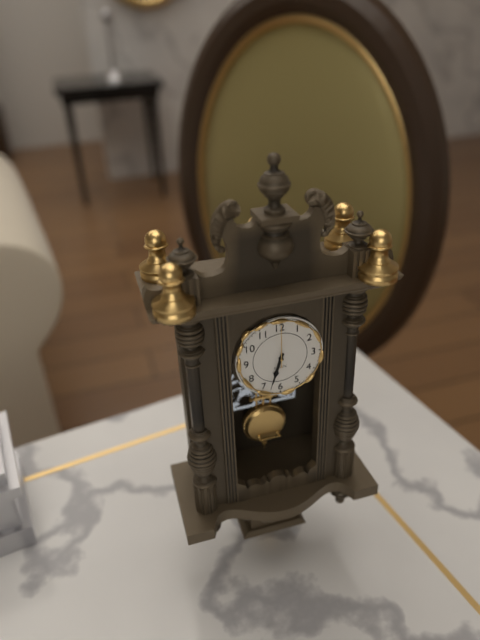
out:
6 h 33 min
